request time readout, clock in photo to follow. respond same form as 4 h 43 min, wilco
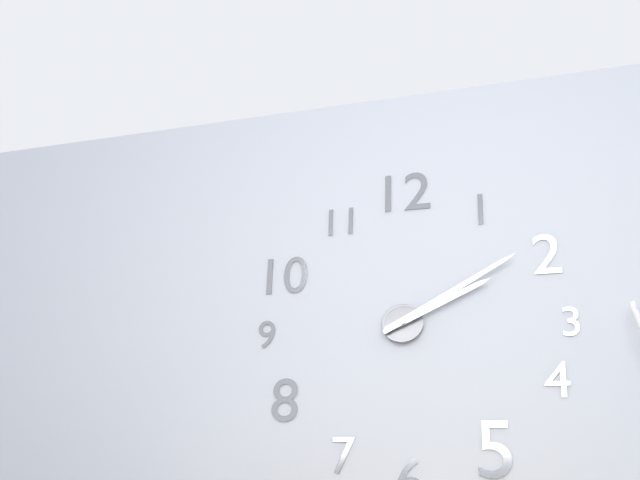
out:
2 h 10 min
